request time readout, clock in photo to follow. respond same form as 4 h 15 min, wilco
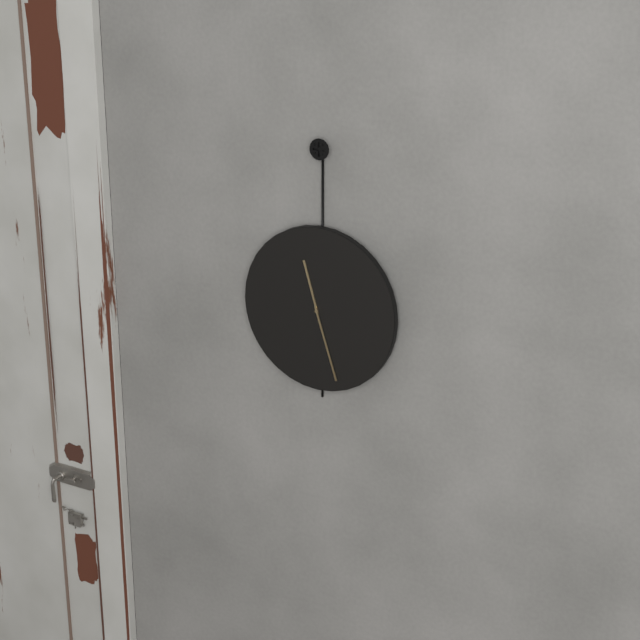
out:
11 h 27 min
